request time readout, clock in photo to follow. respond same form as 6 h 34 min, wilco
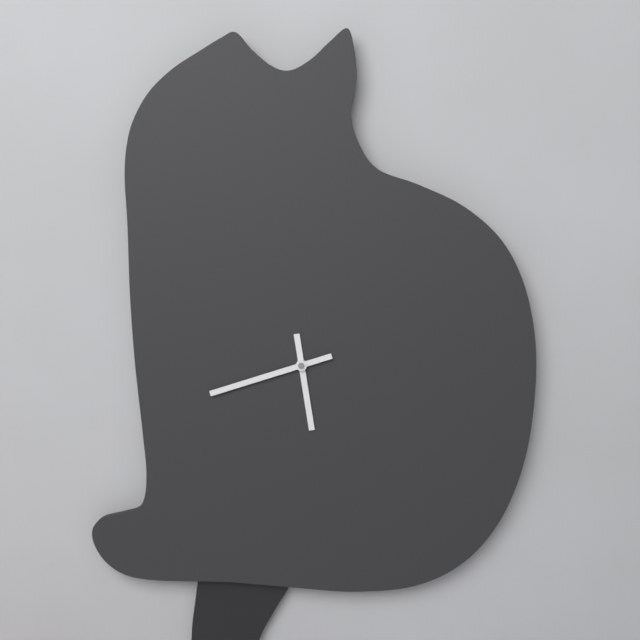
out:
5 h 42 min
